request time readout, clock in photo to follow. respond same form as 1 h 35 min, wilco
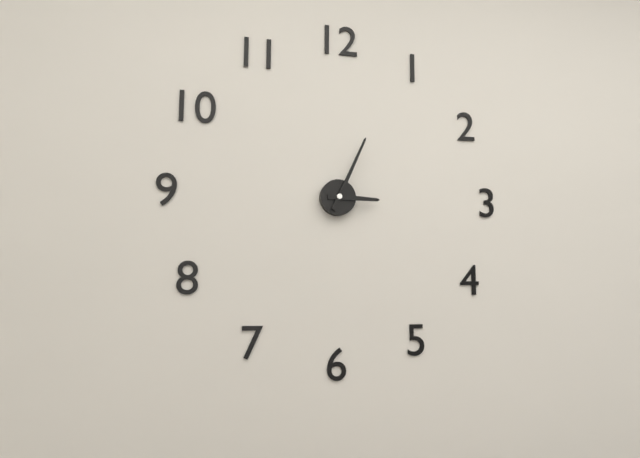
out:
3 h 04 min
